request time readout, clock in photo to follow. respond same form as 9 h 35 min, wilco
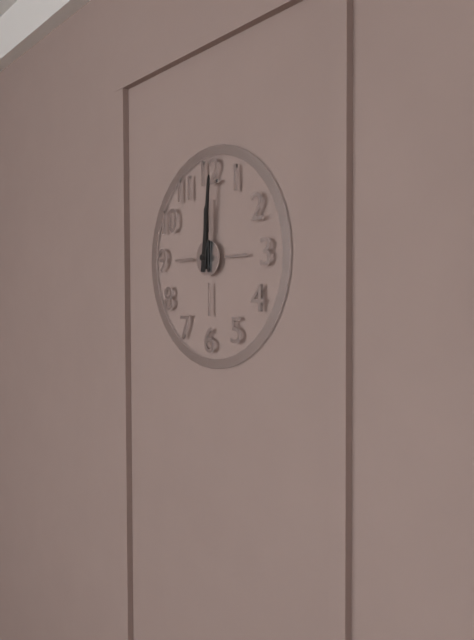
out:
12 h 01 min
